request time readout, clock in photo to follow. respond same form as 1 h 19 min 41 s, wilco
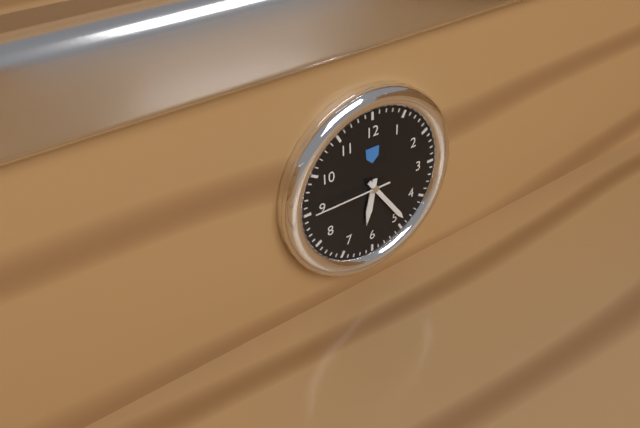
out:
6 h 24 min 45 s
